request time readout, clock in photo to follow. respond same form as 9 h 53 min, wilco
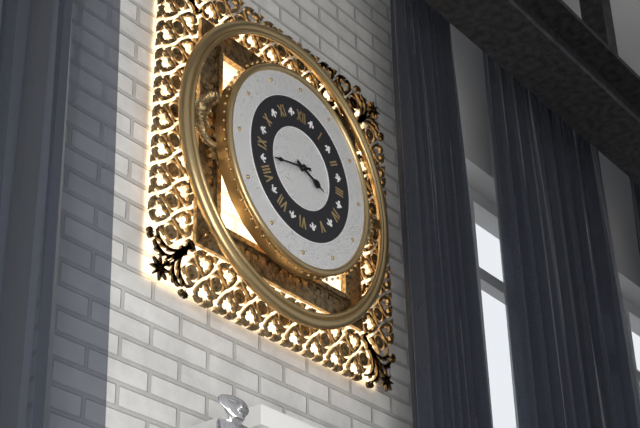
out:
3 h 43 min
